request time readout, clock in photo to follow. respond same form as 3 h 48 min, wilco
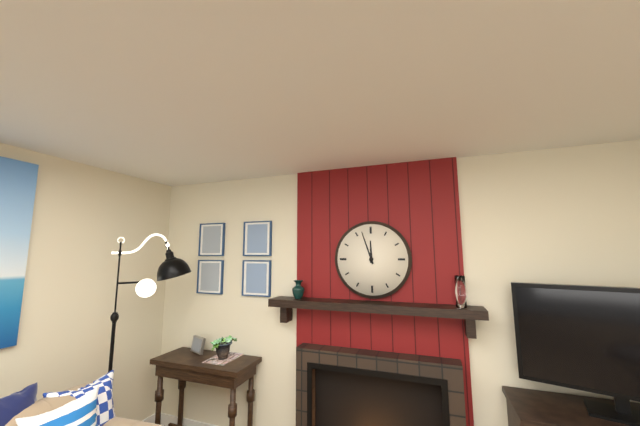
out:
11 h 57 min
